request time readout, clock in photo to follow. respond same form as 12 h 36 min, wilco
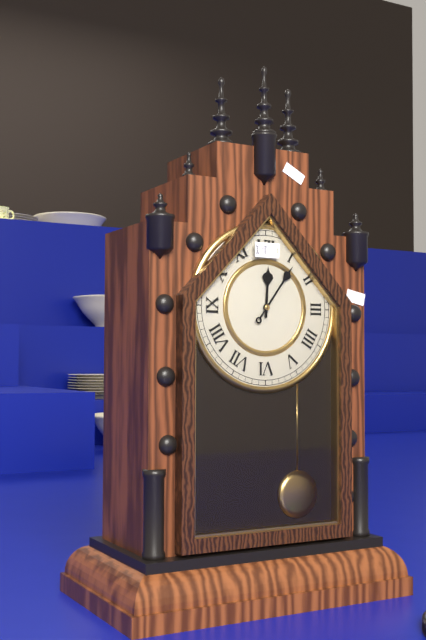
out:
12 h 06 min
